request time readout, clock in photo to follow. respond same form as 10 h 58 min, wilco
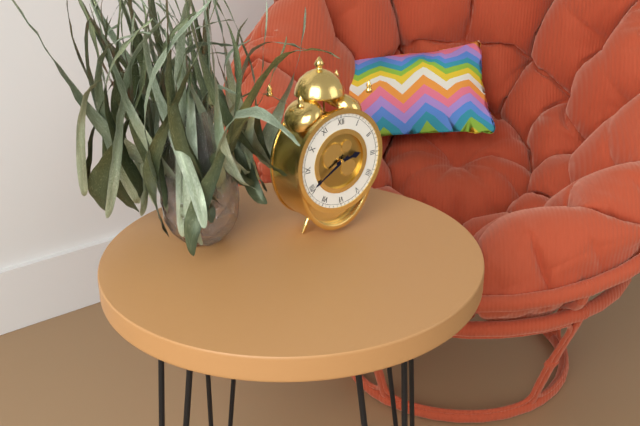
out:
2 h 40 min
